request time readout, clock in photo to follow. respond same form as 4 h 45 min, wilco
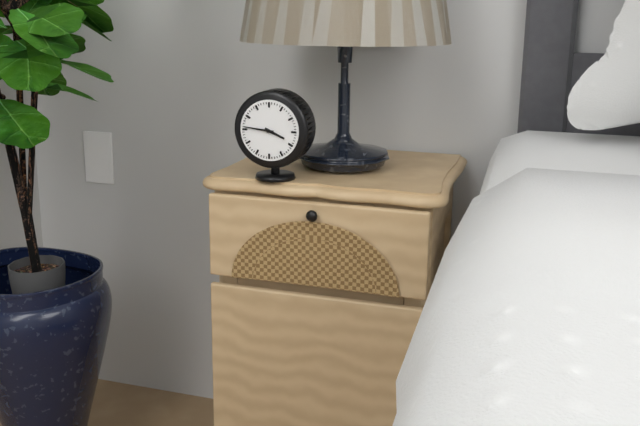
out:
3 h 46 min
